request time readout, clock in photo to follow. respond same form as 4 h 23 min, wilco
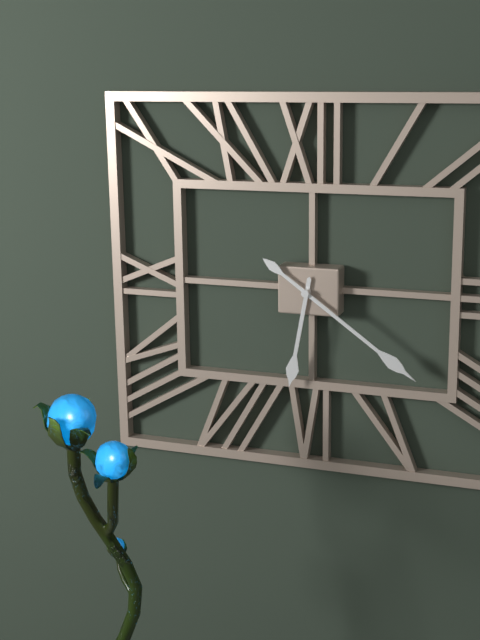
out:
6 h 21 min
